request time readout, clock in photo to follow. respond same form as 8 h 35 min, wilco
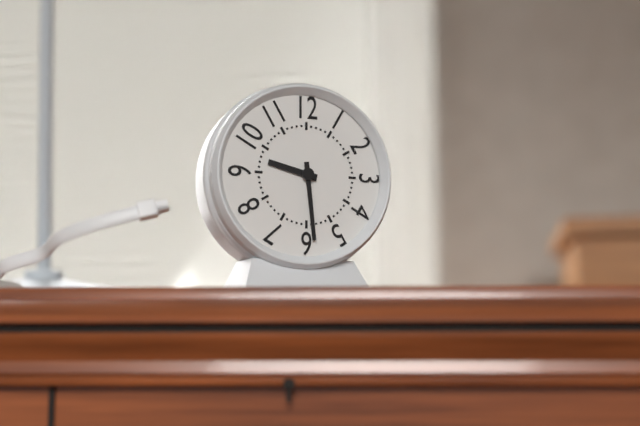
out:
9 h 29 min
